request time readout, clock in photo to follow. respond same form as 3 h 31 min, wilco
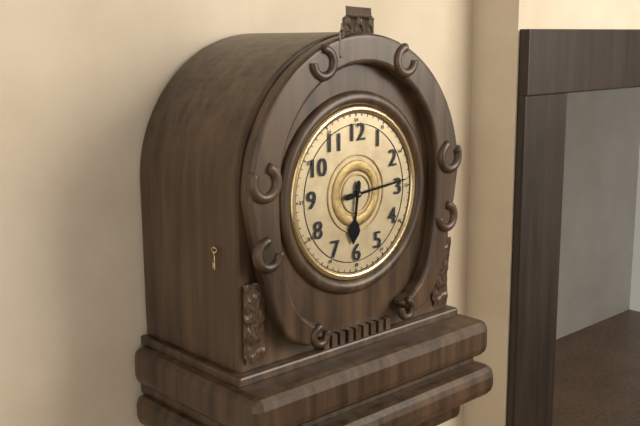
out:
6 h 14 min
